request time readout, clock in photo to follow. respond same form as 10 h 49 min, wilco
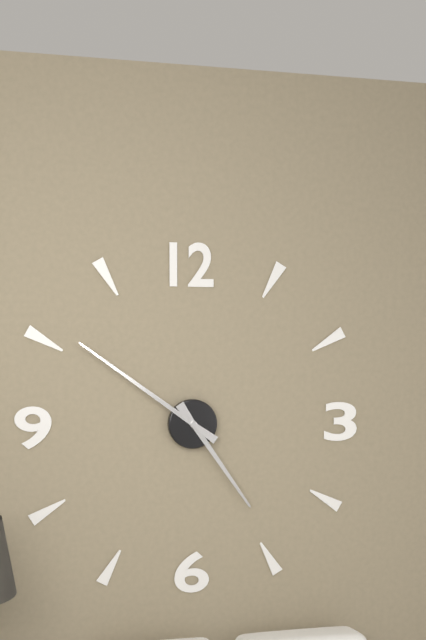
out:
4 h 51 min
